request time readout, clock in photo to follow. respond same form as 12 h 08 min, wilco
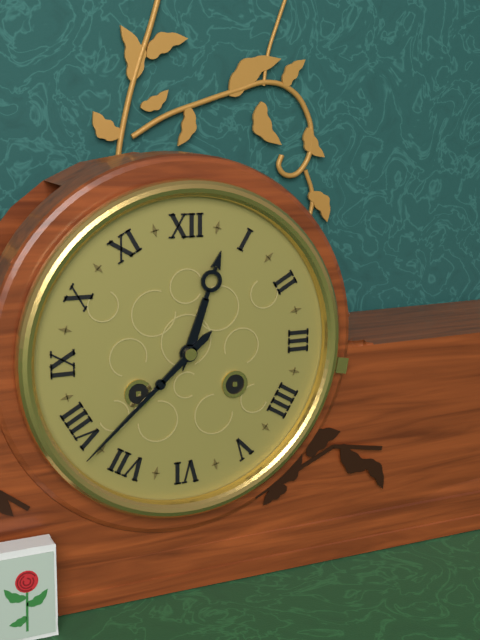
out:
12 h 38 min
